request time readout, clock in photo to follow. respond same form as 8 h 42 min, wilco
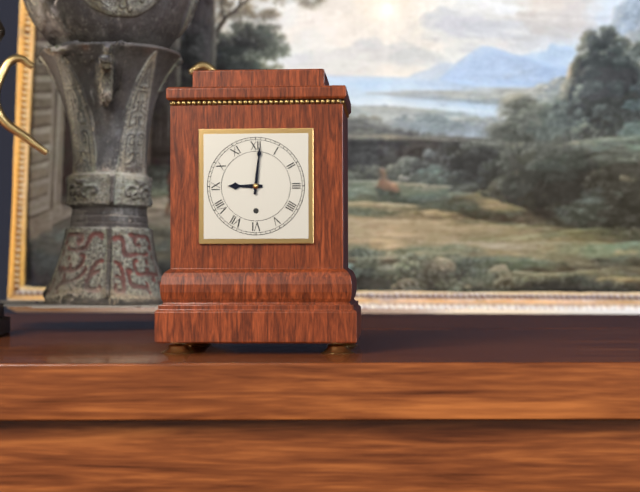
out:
9 h 01 min
